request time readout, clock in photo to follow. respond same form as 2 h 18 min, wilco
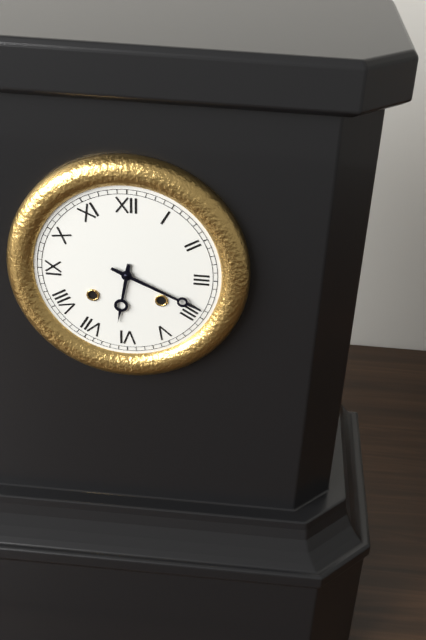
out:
6 h 19 min
